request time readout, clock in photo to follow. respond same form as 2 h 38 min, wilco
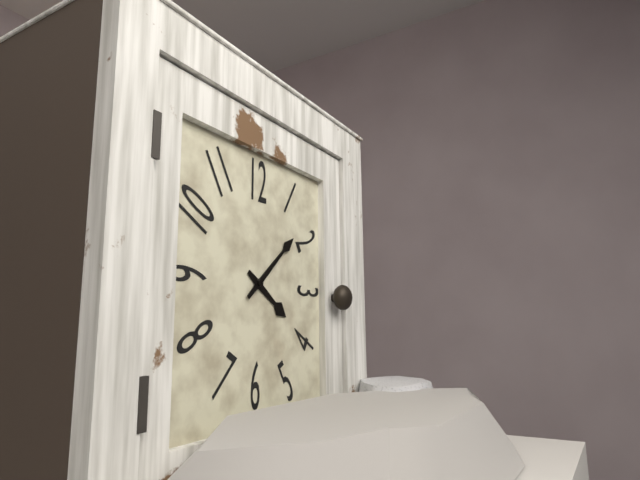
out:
4 h 08 min
